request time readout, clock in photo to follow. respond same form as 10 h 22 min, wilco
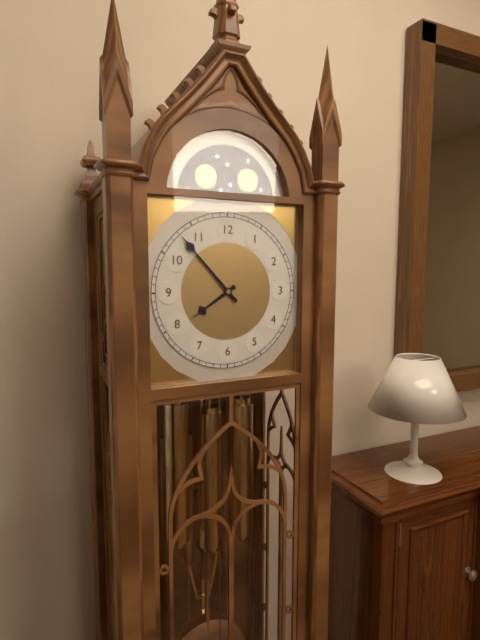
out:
7 h 53 min
